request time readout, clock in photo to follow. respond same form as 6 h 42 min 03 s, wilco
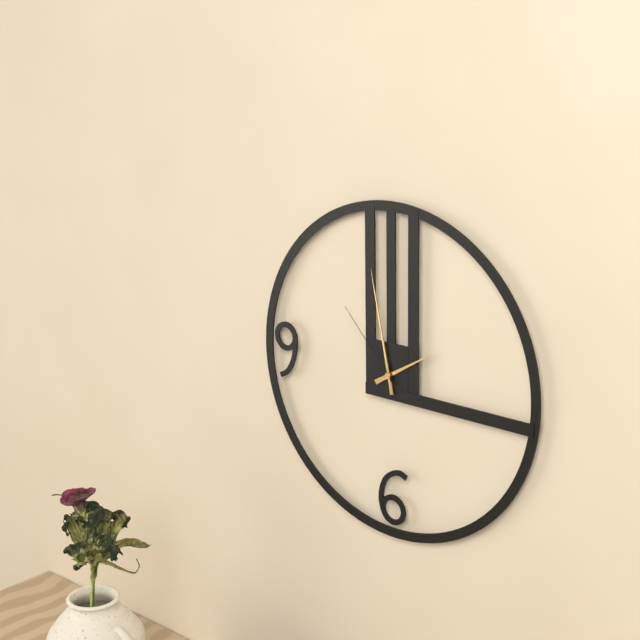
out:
1 h 58 min 53 s
